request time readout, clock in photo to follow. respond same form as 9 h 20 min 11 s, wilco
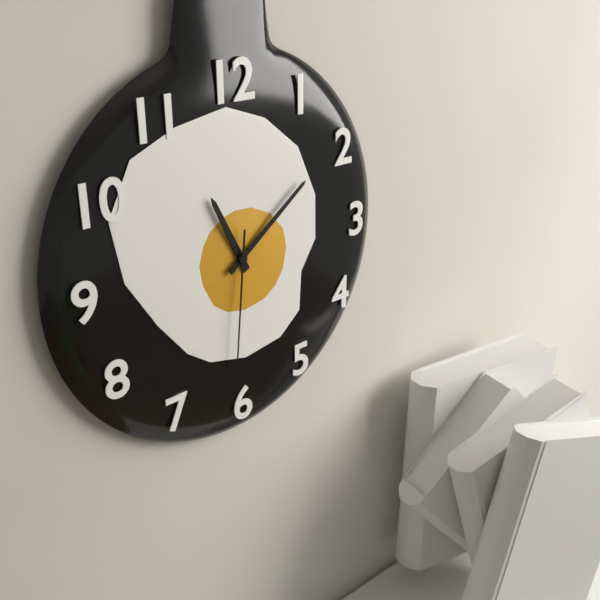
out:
11 h 09 min 31 s
